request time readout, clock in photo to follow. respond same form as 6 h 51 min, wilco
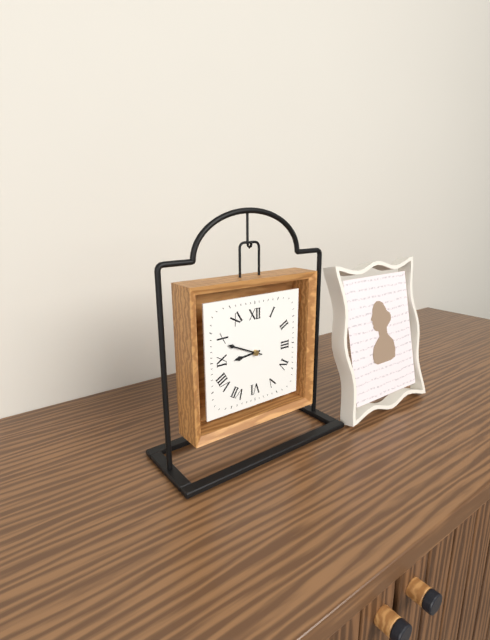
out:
8 h 49 min
